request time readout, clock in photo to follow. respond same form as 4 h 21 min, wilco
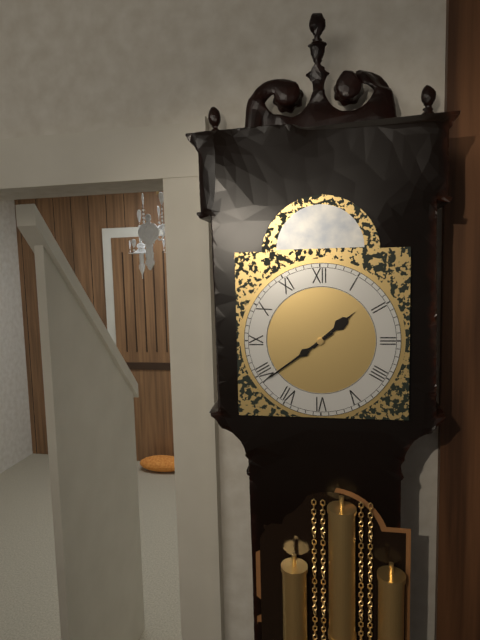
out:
1 h 39 min
